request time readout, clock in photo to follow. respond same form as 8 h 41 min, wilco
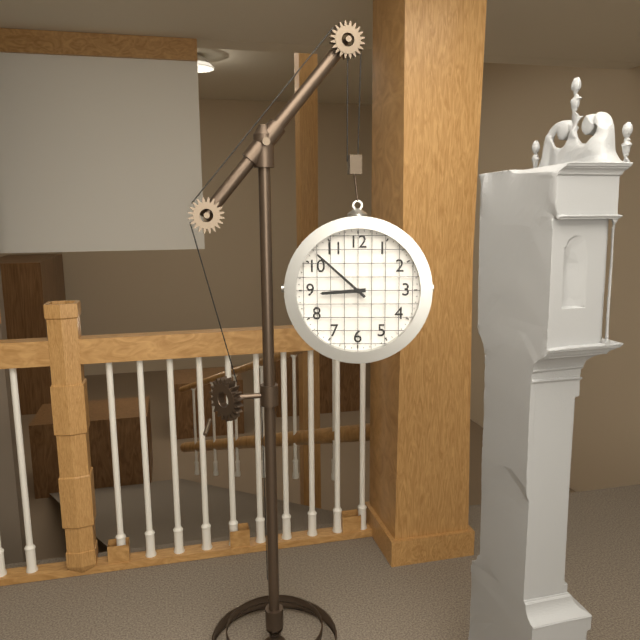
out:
8 h 52 min
